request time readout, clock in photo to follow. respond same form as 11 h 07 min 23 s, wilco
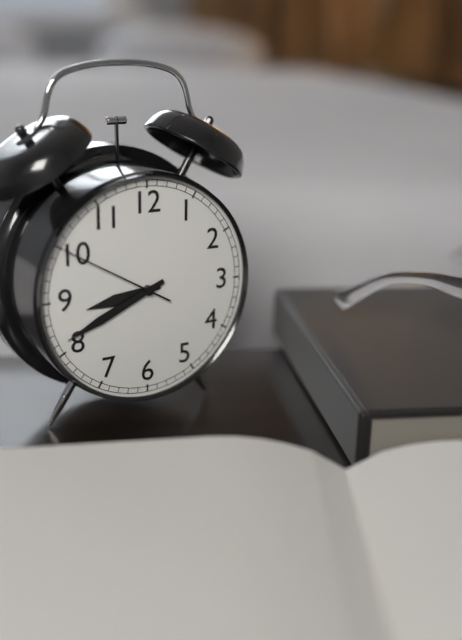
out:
8 h 41 min 50 s
